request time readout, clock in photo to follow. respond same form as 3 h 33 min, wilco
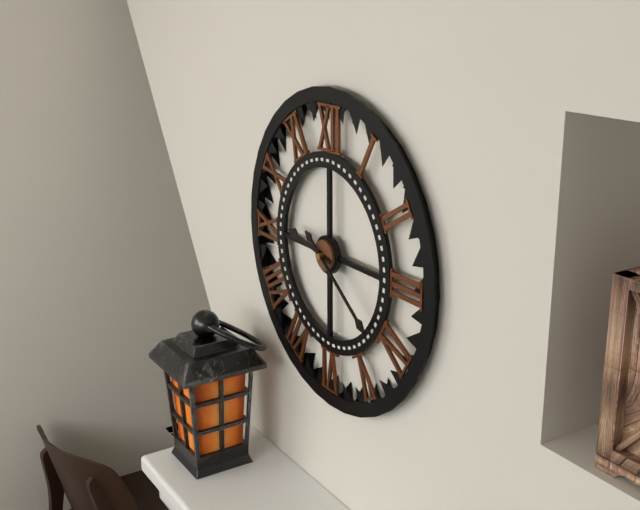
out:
9 h 21 min
